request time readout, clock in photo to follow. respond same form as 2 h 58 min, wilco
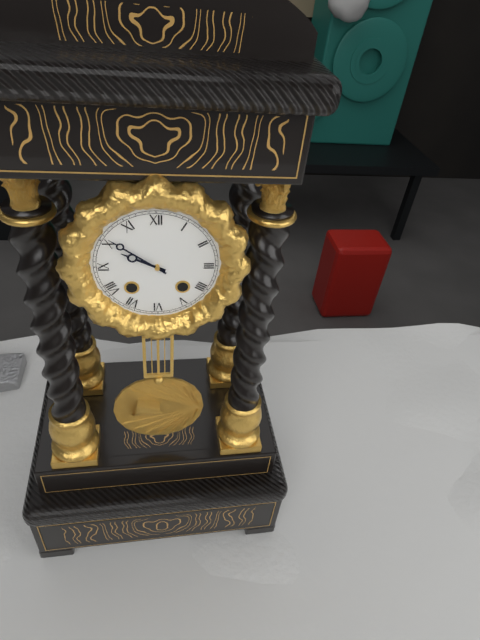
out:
9 h 51 min
